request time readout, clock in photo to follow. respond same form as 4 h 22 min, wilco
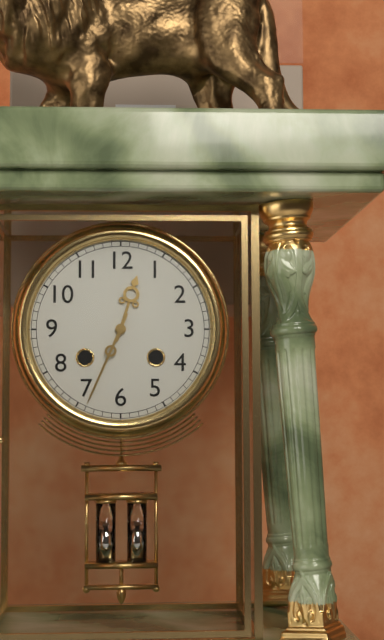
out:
12 h 34 min
